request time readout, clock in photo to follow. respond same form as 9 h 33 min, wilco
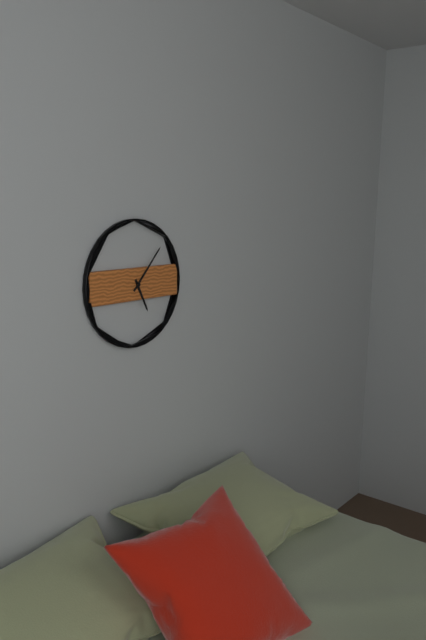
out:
5 h 07 min
